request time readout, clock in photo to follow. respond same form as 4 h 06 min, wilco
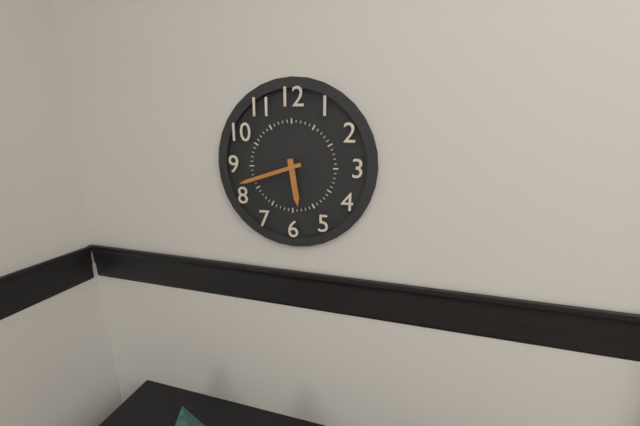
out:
5 h 42 min
